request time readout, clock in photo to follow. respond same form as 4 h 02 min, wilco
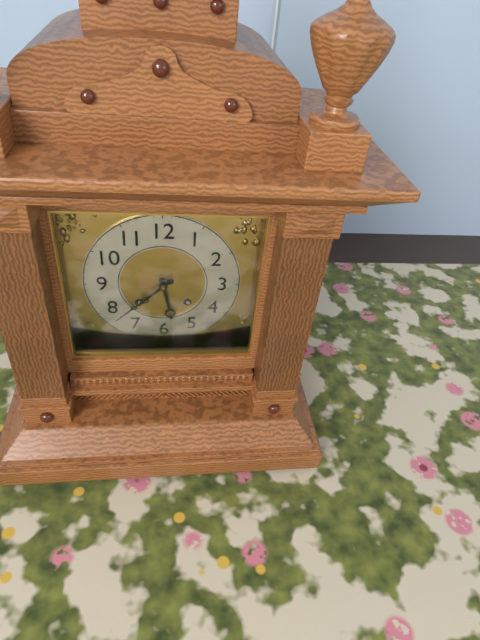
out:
5 h 38 min
